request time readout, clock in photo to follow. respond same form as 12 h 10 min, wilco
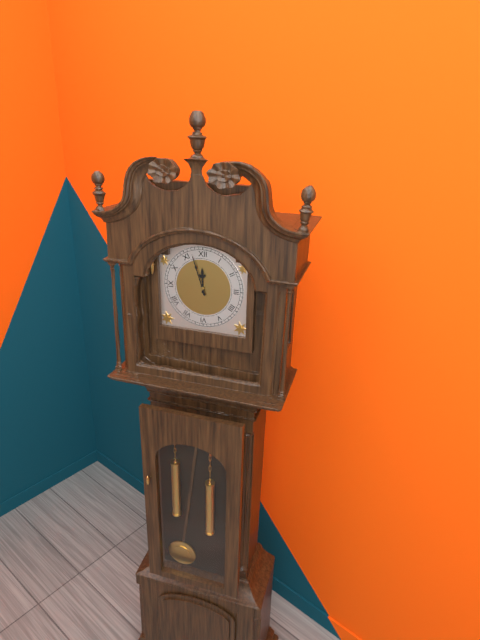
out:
11 h 57 min
